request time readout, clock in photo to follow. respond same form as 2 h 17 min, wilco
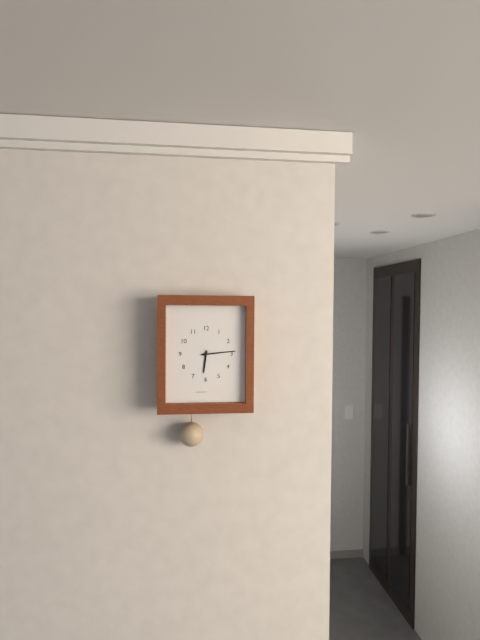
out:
6 h 14 min
